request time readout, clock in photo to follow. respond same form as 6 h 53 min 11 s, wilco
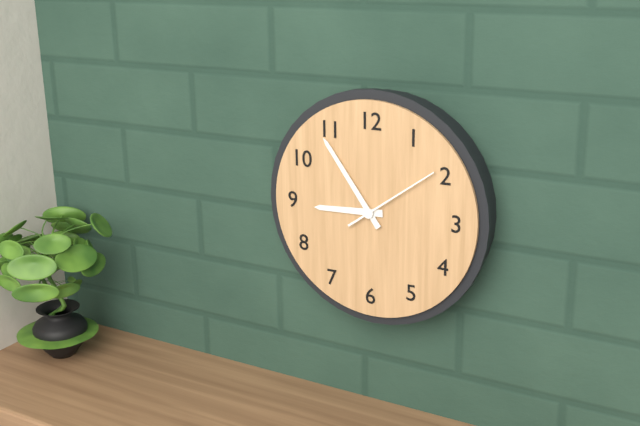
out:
8 h 54 min 09 s
